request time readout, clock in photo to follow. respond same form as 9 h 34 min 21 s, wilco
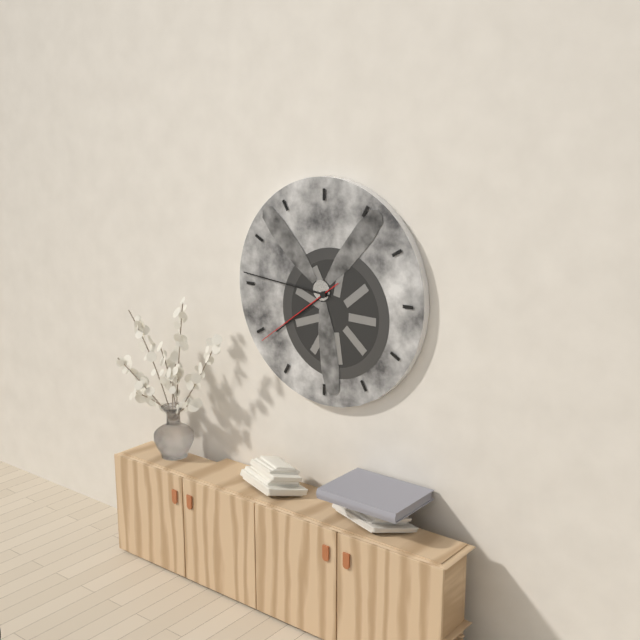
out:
7 h 46 min 39 s
